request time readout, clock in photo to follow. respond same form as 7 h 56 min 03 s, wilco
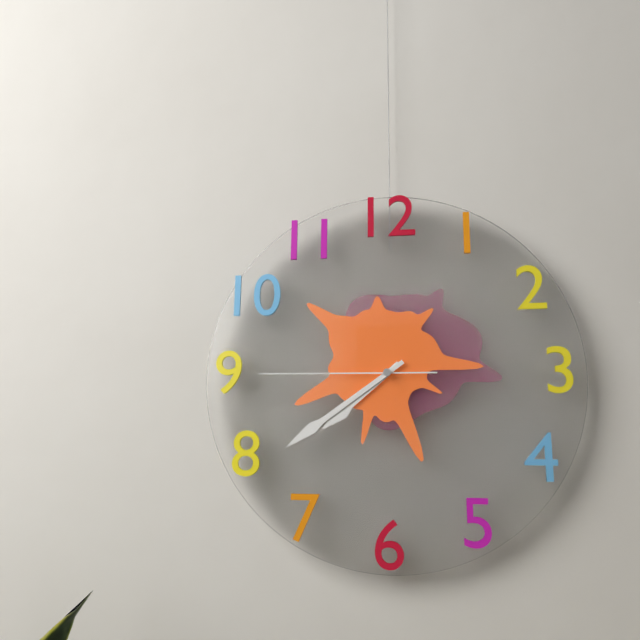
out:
7 h 39 min 45 s
